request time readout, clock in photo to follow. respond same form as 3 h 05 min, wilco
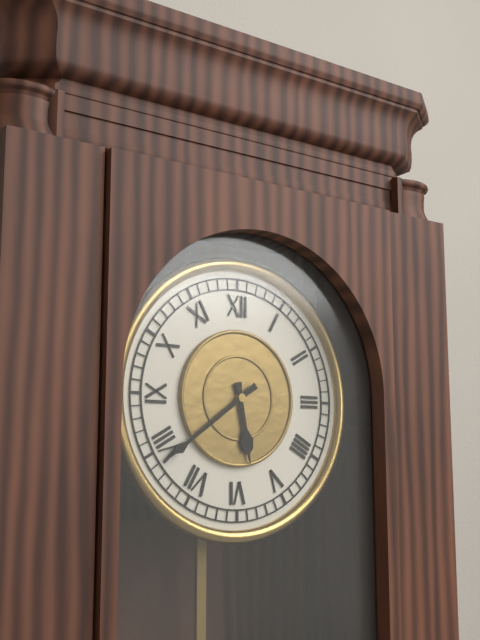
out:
5 h 39 min
